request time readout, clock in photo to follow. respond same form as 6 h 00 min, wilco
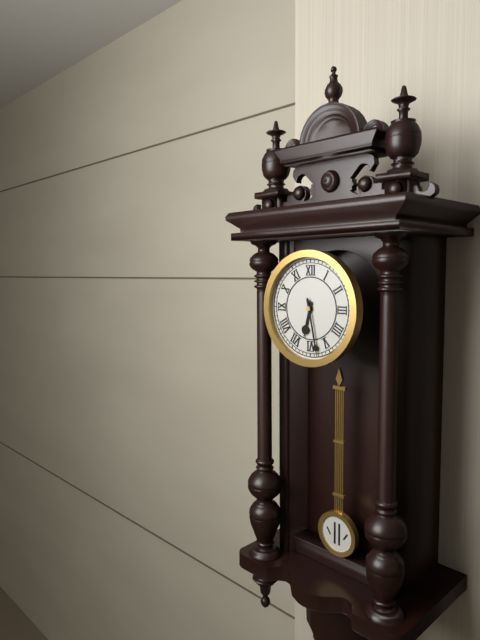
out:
6 h 28 min
